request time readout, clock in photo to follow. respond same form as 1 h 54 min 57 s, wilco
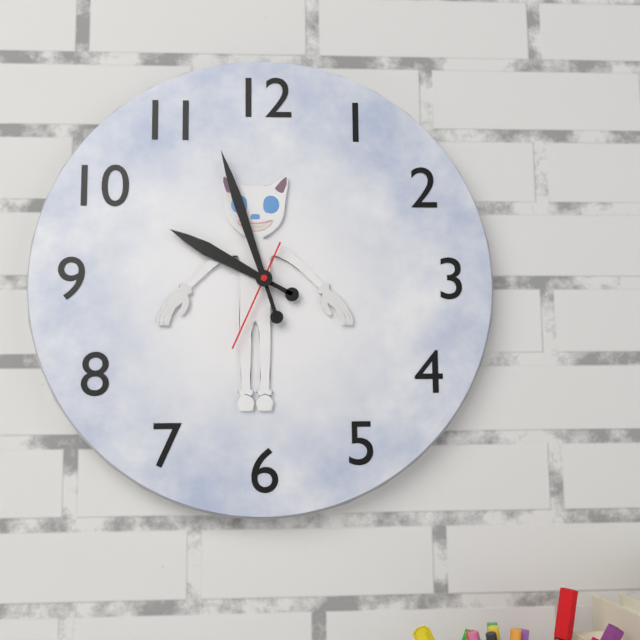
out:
9 h 57 min 34 s
